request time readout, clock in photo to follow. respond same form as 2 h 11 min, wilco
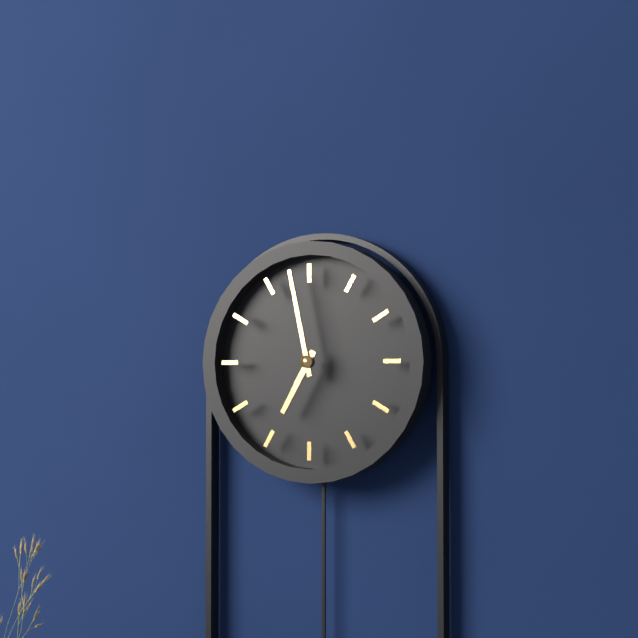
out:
6 h 58 min
